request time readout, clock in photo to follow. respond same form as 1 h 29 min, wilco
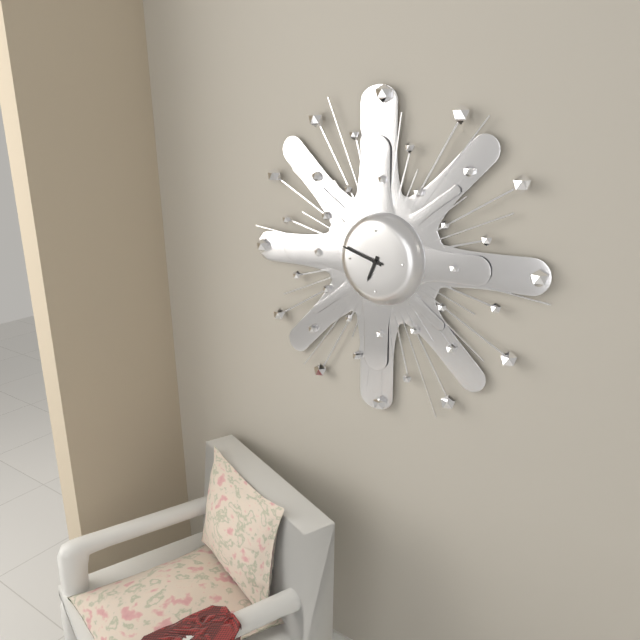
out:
6 h 48 min
